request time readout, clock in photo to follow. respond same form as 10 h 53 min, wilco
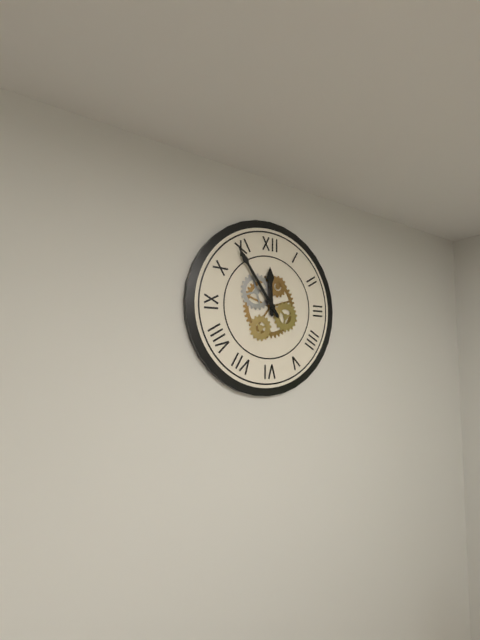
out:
11 h 54 min
